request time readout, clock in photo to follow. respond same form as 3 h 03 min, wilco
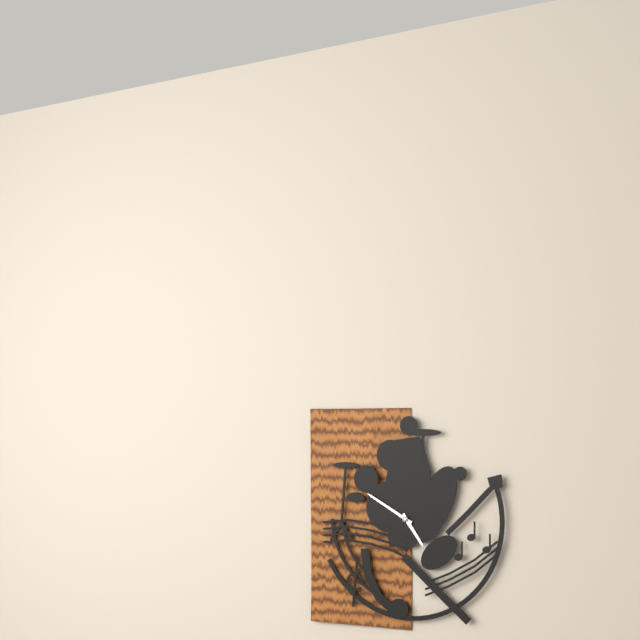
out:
4 h 50 min
